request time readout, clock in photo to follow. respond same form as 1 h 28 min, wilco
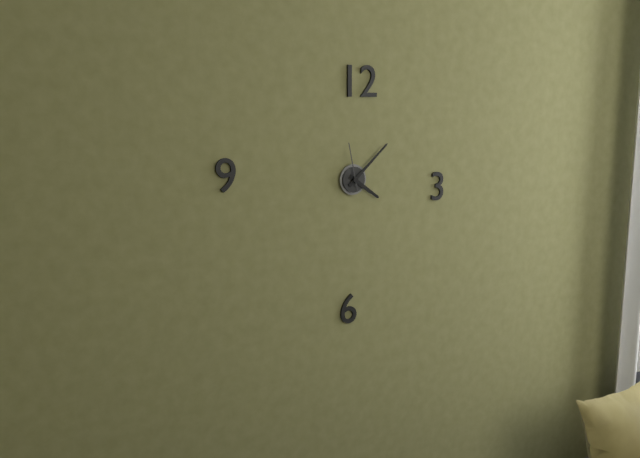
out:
4 h 08 min
